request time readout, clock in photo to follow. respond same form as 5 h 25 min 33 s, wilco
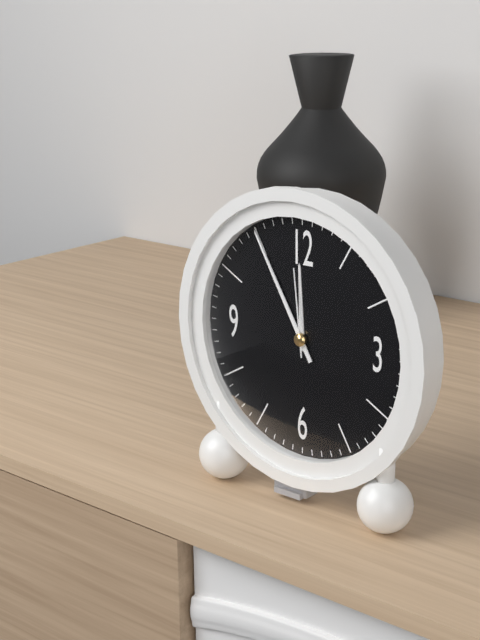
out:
11 h 55 min 59 s
